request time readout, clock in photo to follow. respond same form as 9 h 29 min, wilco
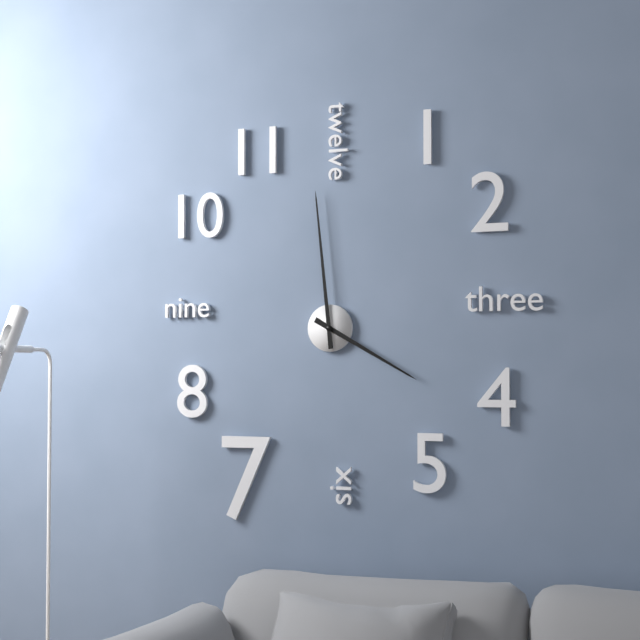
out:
3 h 59 min
